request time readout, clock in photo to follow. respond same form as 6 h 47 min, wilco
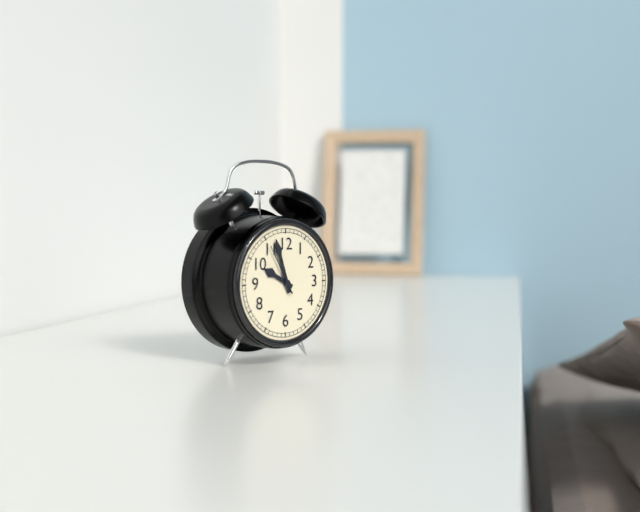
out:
9 h 57 min
